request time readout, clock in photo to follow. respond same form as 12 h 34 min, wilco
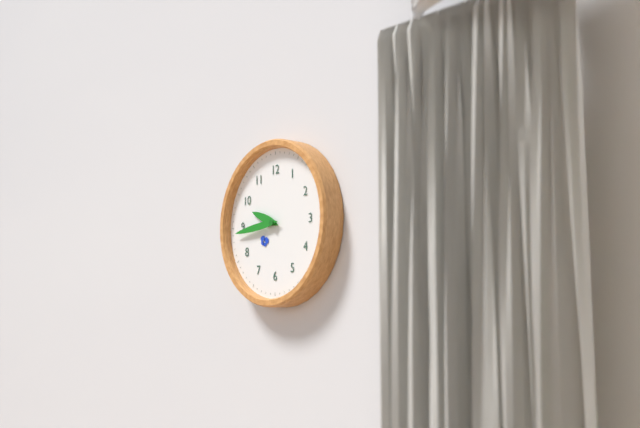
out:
9 h 44 min
